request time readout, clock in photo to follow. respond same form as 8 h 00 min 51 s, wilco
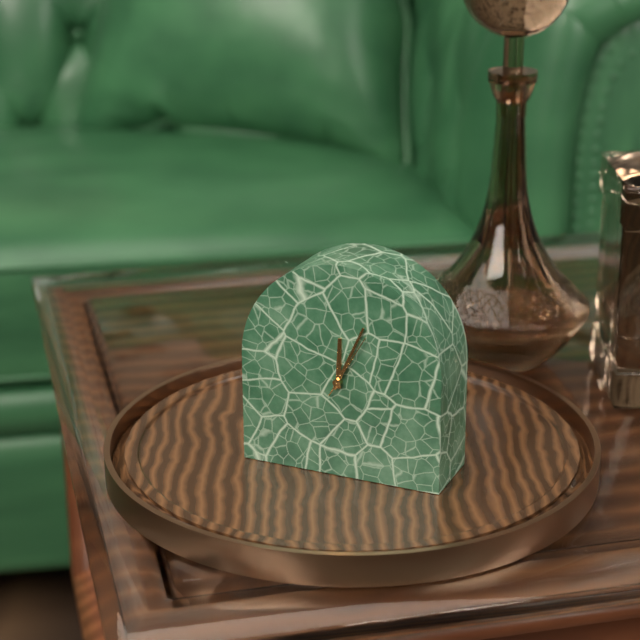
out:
12 h 04 min 05 s
